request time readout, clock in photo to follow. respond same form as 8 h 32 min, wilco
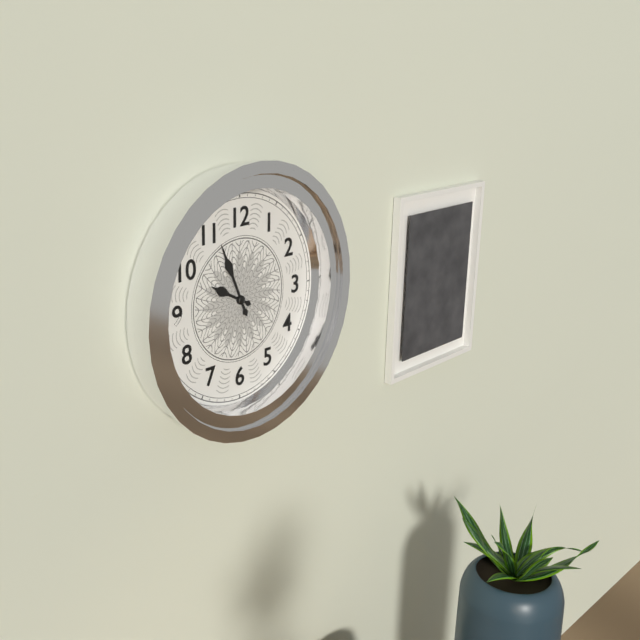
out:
9 h 56 min
